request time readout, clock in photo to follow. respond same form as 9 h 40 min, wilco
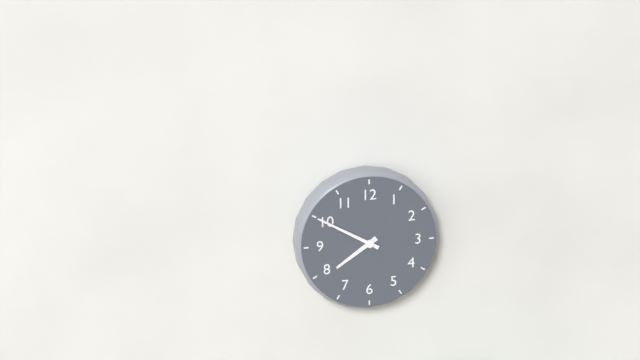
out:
7 h 50 min
